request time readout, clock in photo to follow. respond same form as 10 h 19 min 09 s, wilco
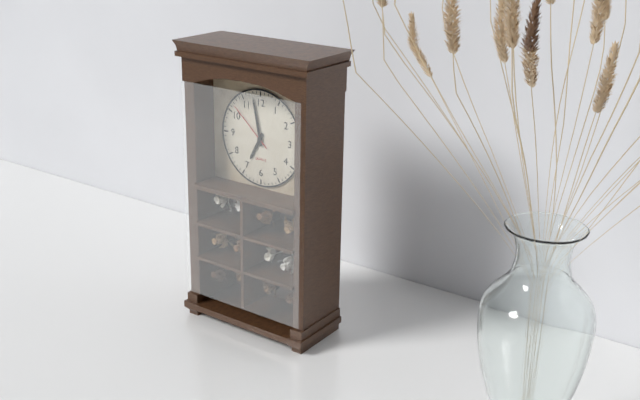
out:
6 h 58 min 52 s
